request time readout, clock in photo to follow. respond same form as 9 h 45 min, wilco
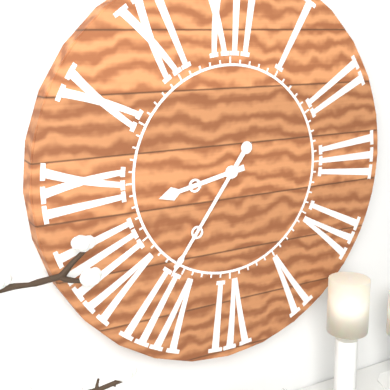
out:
8 h 36 min
